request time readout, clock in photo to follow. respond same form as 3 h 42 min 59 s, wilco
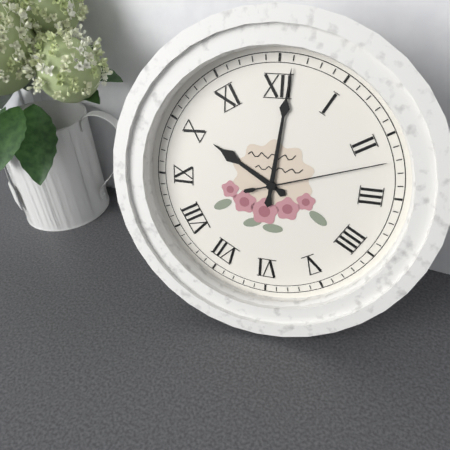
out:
10 h 01 min 12 s
